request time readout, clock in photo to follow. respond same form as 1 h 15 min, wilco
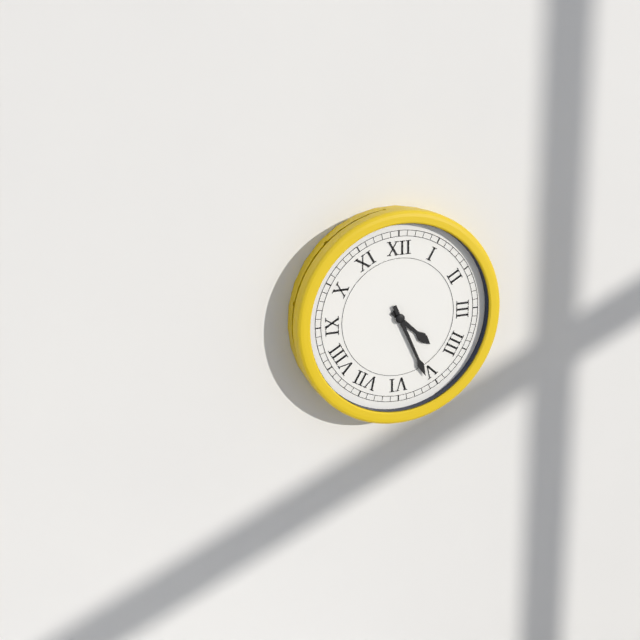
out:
4 h 26 min
